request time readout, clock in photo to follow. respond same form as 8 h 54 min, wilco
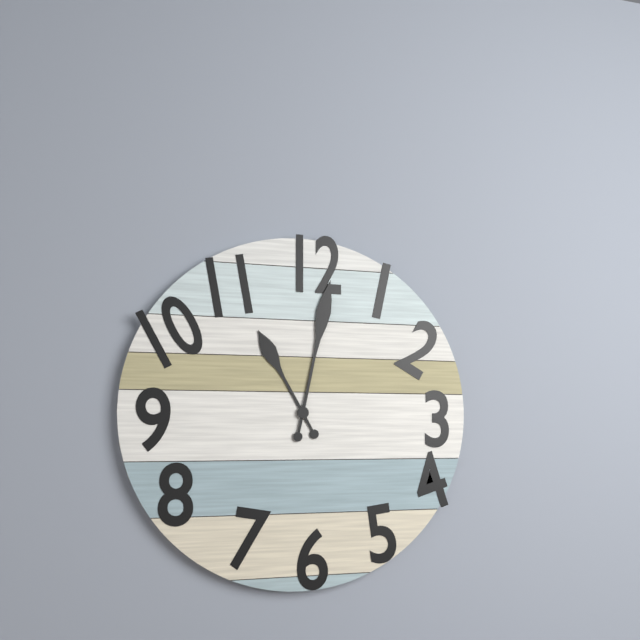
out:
11 h 02 min
